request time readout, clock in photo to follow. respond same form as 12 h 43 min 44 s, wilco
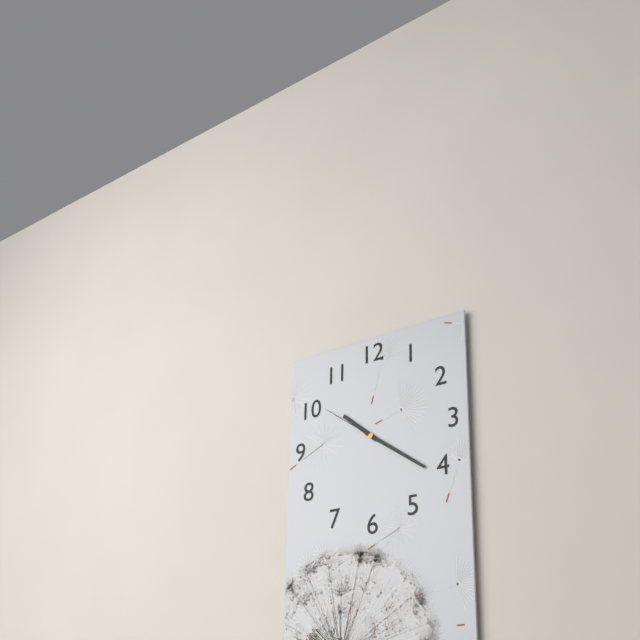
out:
10 h 21 min 51 s
